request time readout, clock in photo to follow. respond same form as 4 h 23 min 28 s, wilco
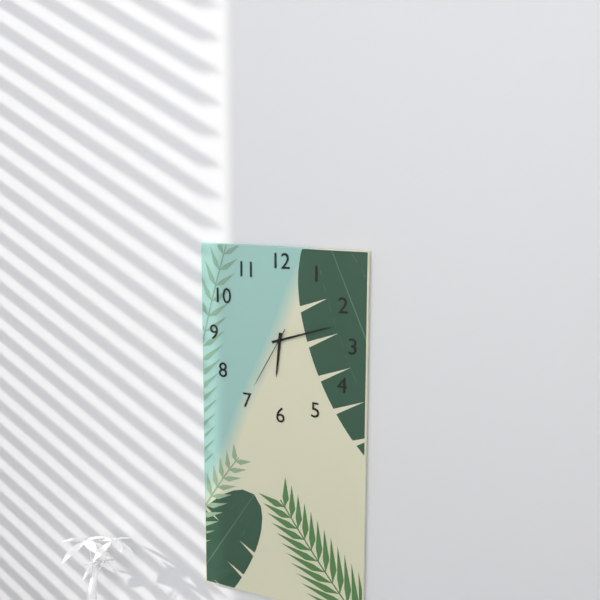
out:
6 h 12 min 35 s
